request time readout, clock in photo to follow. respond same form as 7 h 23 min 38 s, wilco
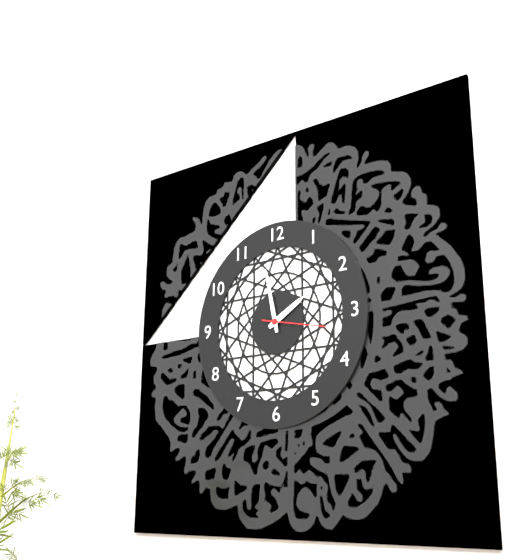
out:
1 h 58 min 17 s
